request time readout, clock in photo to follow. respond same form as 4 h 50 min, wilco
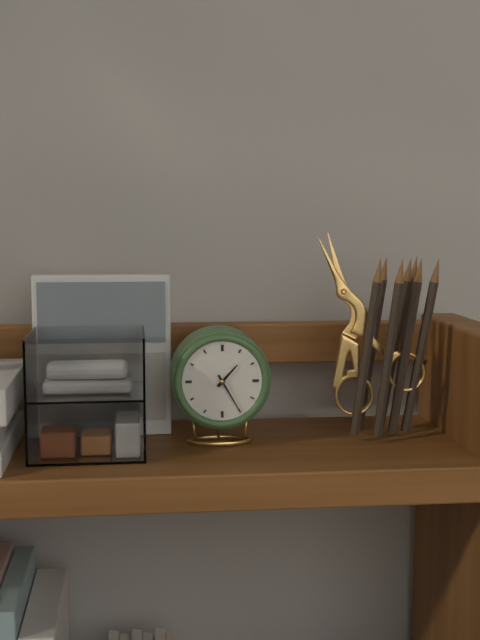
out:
1 h 25 min
